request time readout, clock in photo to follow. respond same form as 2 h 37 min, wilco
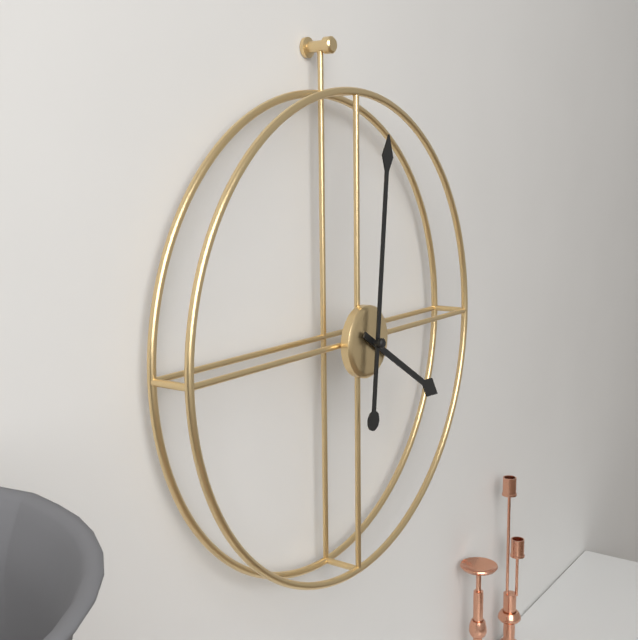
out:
4 h 01 min
